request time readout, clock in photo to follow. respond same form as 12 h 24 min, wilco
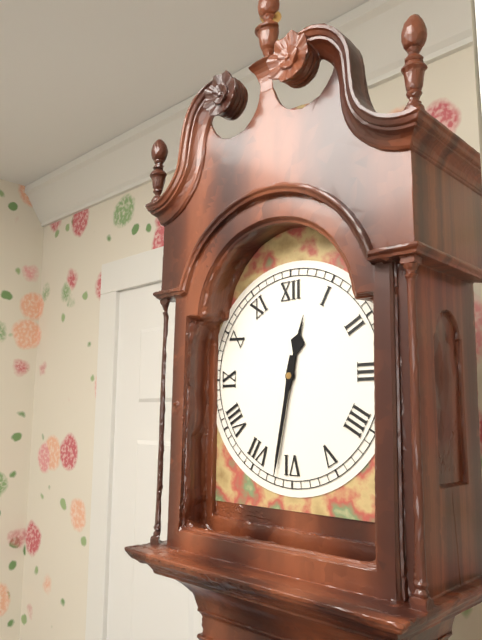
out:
12 h 32 min
